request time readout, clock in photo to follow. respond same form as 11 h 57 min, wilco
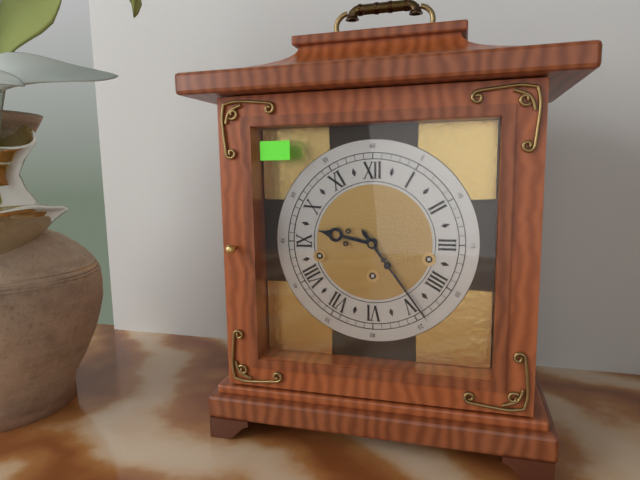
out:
9 h 24 min
